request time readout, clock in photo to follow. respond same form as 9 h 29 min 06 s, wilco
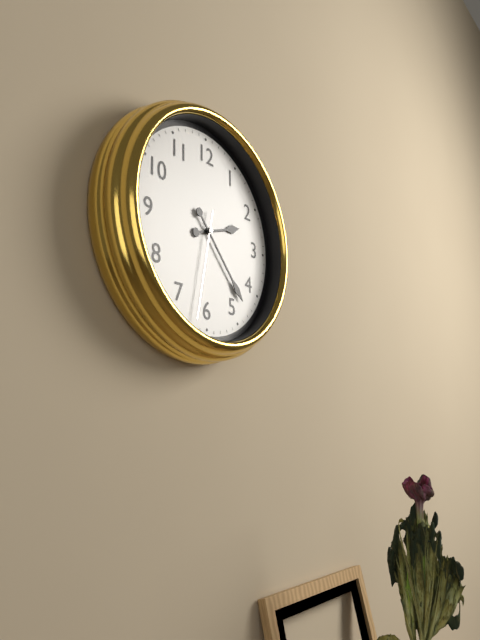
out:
2 h 23 min 32 s
